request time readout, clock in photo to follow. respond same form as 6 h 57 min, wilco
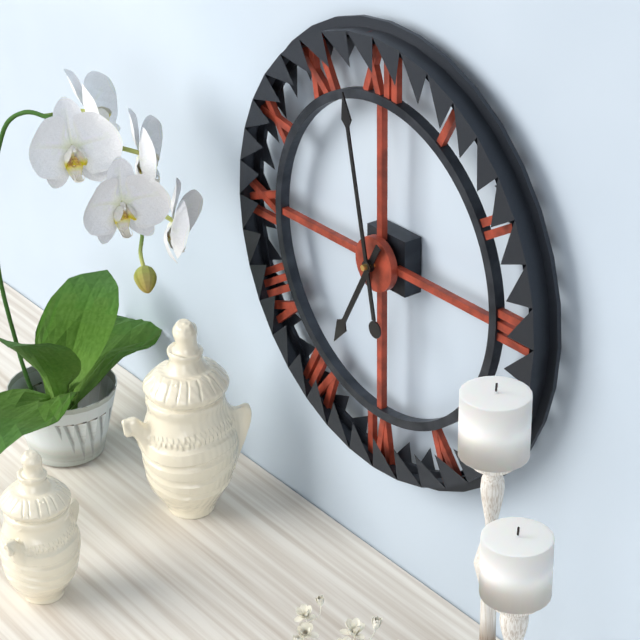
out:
6 h 58 min
